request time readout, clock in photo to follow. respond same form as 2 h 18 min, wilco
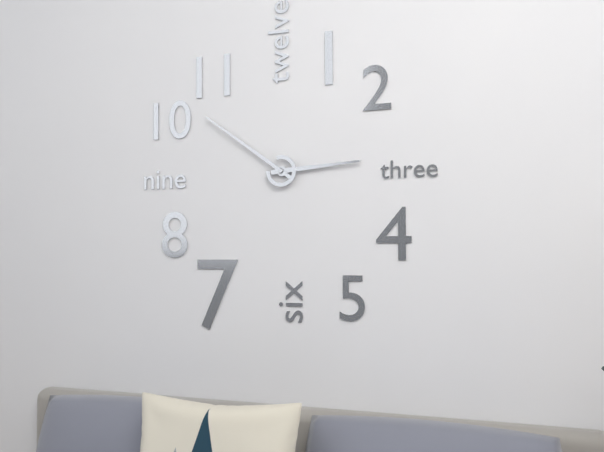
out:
2 h 51 min
